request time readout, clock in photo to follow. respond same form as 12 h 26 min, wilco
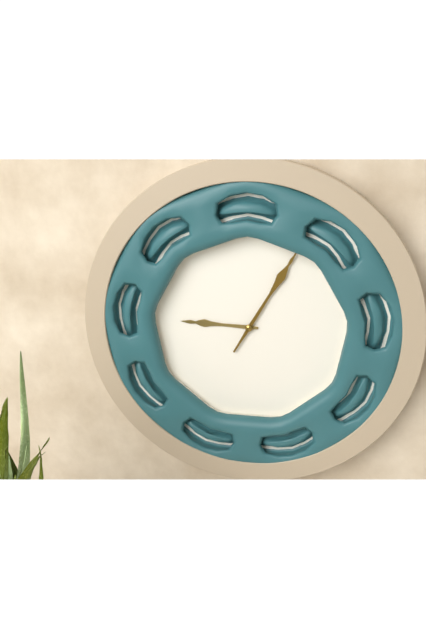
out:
9 h 05 min
